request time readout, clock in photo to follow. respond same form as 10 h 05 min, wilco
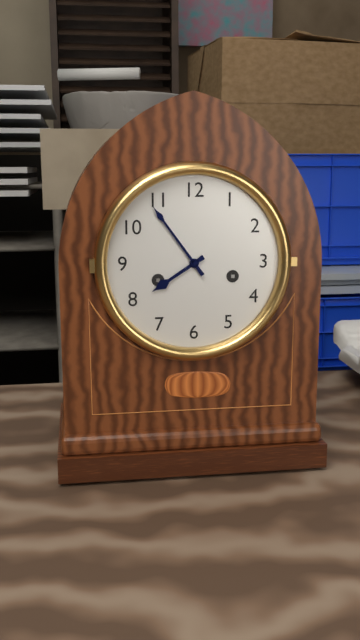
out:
7 h 54 min
